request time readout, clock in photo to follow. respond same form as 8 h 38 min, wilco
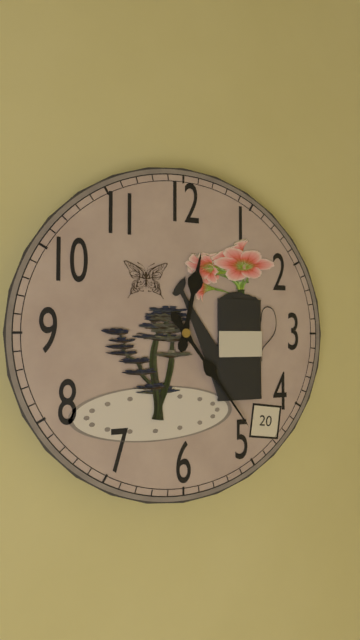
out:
12 h 24 min
